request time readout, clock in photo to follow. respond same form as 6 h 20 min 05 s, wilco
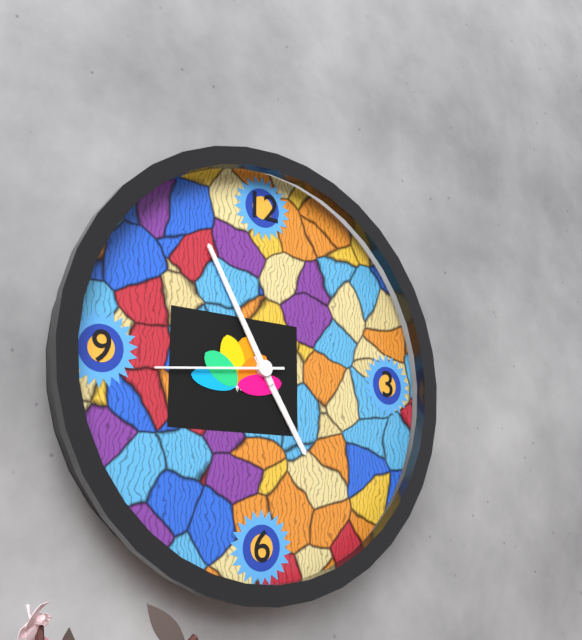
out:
4 h 55 min 44 s
